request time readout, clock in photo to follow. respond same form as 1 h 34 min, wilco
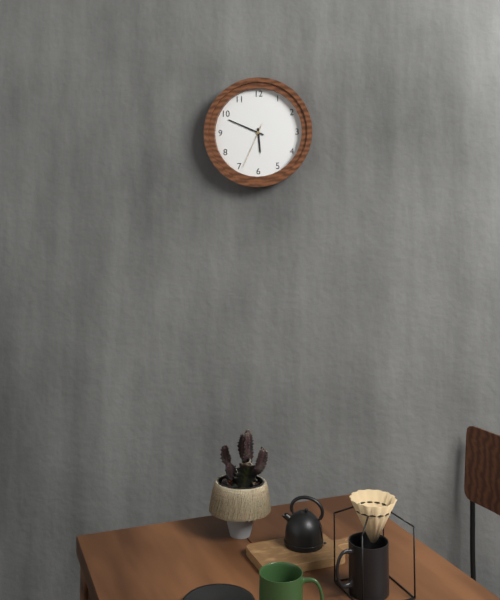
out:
5 h 49 min
